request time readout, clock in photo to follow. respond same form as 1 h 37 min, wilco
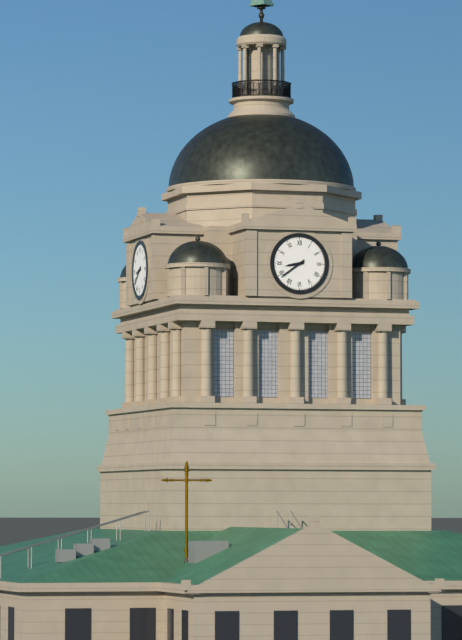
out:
8 h 39 min
